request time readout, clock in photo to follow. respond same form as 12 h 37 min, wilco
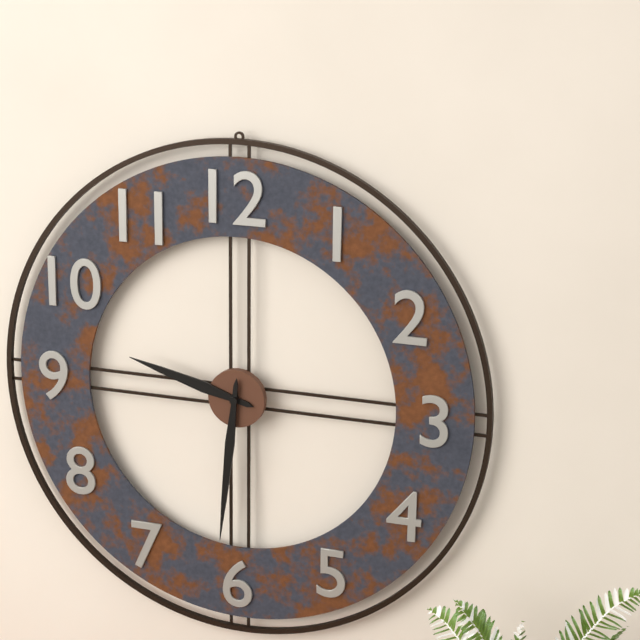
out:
9 h 31 min
